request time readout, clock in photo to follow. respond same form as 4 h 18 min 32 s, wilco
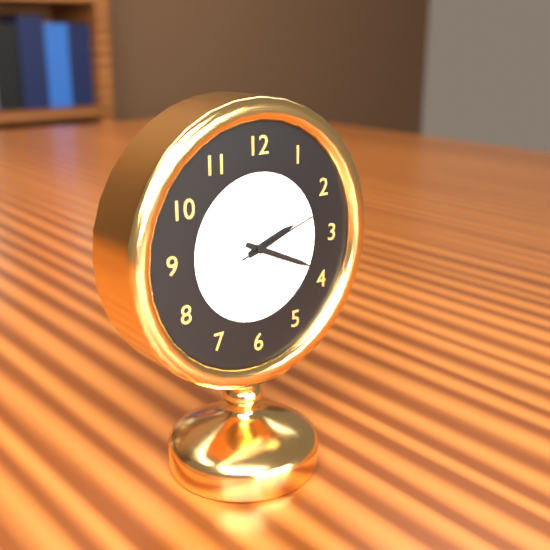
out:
2 h 19 min 12 s
